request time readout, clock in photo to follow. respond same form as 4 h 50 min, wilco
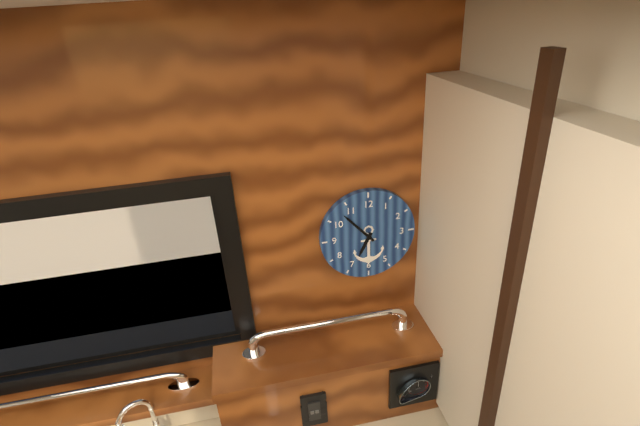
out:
6 h 53 min
